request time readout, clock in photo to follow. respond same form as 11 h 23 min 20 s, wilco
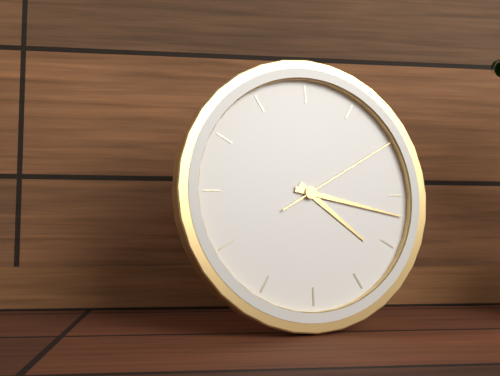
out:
4 h 17 min 10 s
